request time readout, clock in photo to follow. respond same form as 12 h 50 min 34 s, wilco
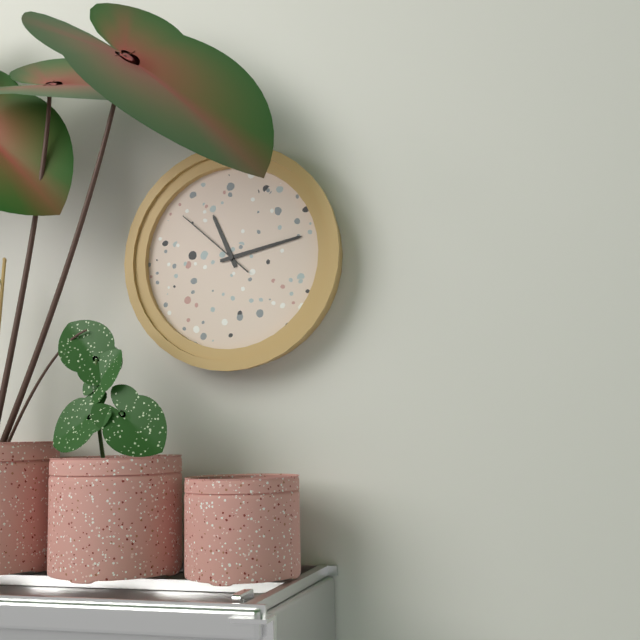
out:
11 h 13 min 52 s
